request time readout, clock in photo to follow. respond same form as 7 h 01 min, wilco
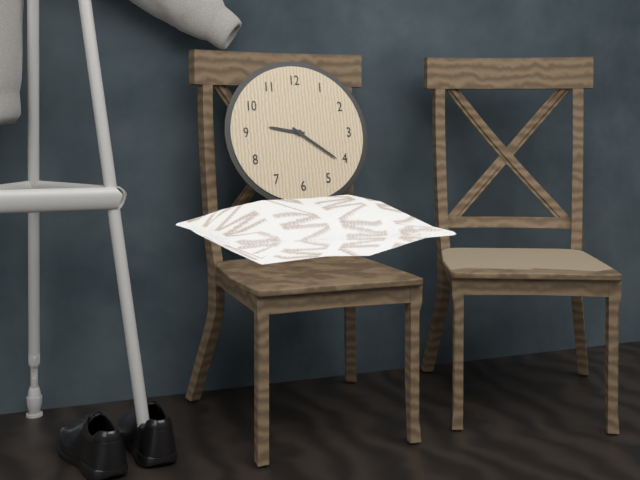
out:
9 h 21 min
